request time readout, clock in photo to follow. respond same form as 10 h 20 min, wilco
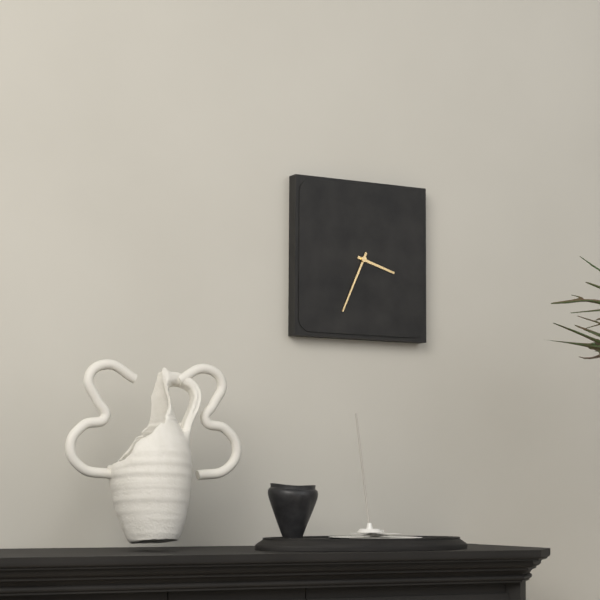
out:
3 h 34 min
